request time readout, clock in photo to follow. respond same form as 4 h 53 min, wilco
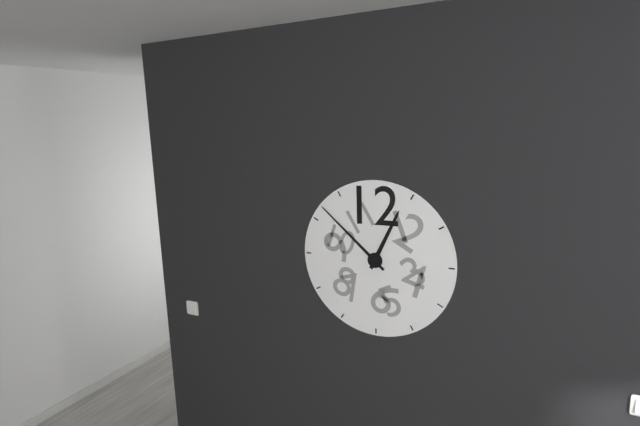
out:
12 h 52 min
